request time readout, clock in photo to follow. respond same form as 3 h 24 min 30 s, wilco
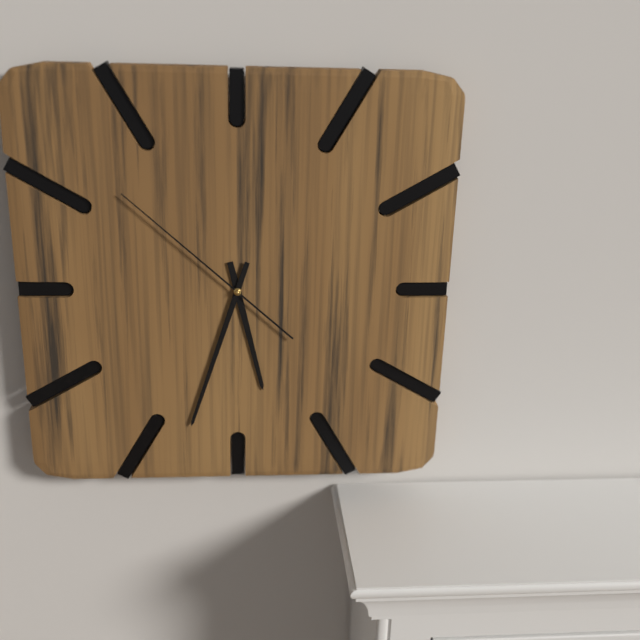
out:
5 h 33 min 52 s
